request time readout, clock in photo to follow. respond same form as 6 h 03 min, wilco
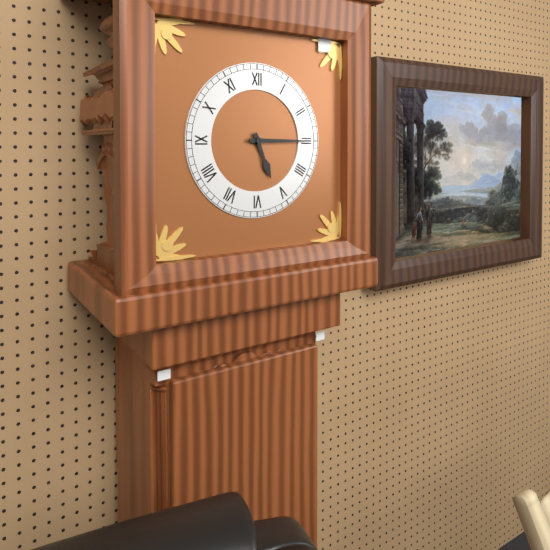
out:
5 h 15 min
